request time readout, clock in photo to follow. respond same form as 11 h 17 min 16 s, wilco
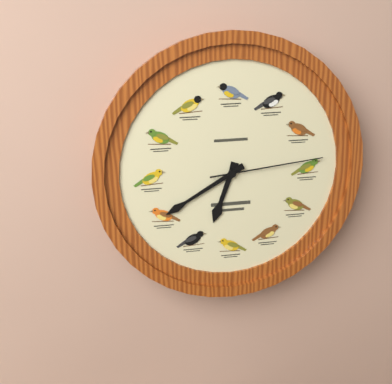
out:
6 h 40 min 14 s
